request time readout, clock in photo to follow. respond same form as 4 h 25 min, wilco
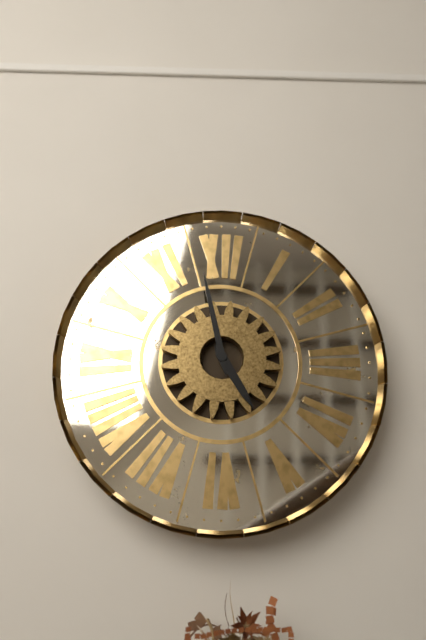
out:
4 h 58 min
